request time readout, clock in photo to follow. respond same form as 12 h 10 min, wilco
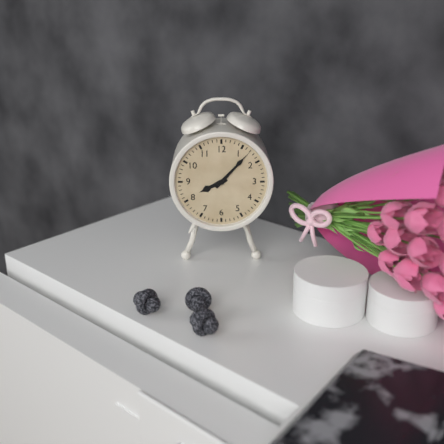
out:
8 h 07 min
